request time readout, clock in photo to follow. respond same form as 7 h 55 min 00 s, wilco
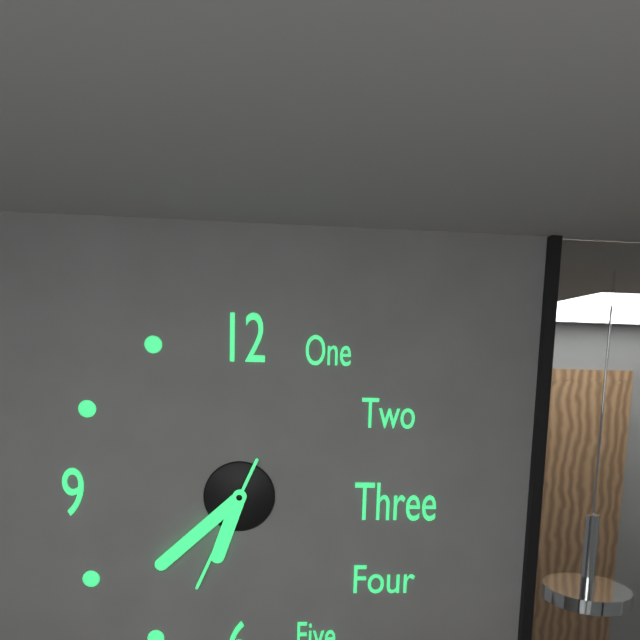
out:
6 h 38 min 34 s
